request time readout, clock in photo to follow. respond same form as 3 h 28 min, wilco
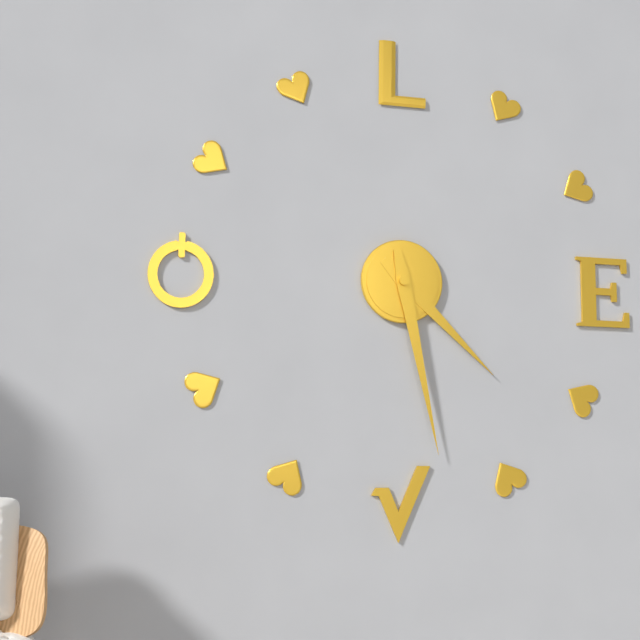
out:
4 h 28 min
